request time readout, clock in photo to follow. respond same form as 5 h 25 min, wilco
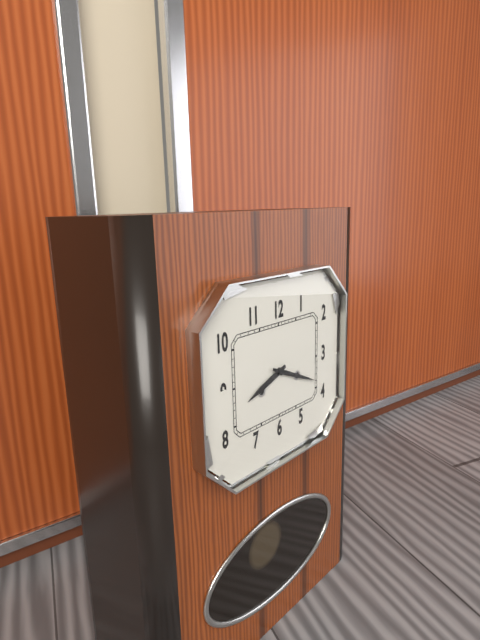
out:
8 h 19 min
